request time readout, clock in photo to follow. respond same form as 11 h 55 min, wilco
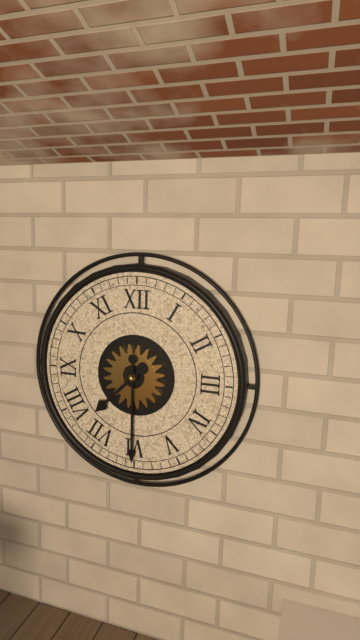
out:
7 h 30 min
